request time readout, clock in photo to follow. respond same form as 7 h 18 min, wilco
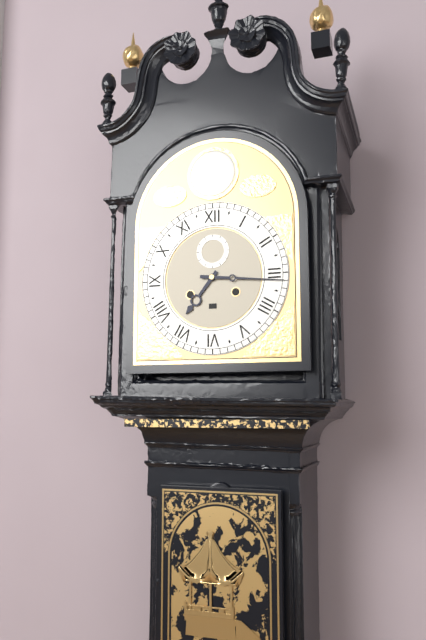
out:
7 h 16 min
